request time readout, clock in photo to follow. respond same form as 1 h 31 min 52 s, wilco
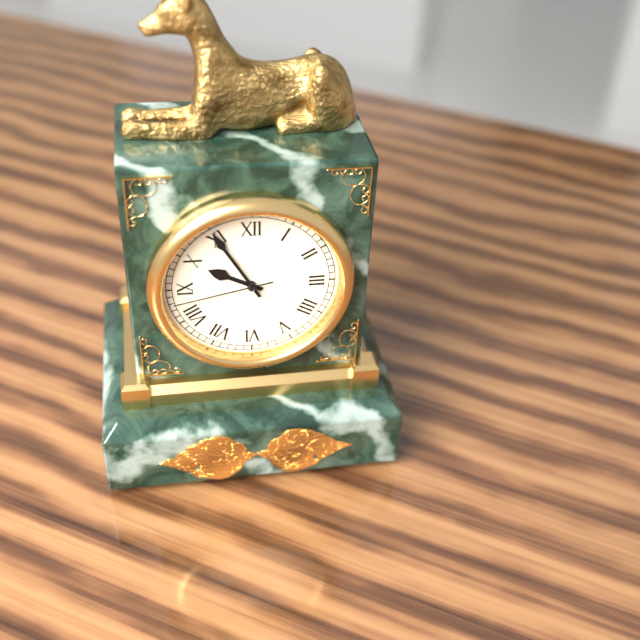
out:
9 h 55 min 43 s
